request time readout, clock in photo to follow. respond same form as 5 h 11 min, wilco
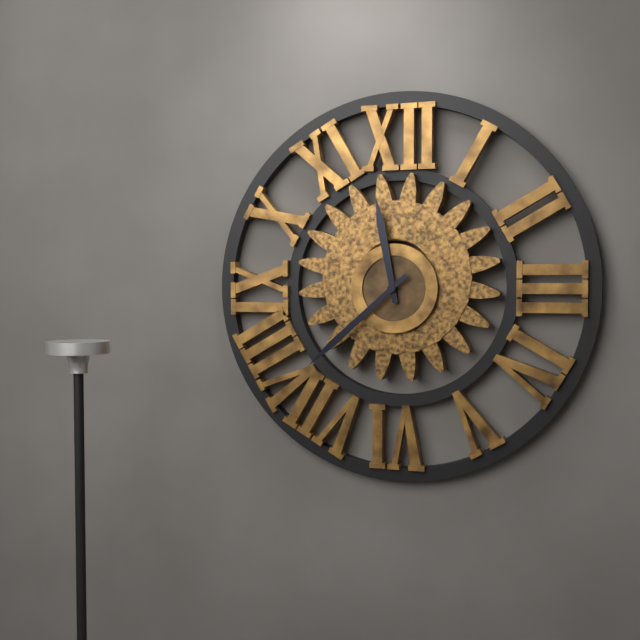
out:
11 h 38 min
